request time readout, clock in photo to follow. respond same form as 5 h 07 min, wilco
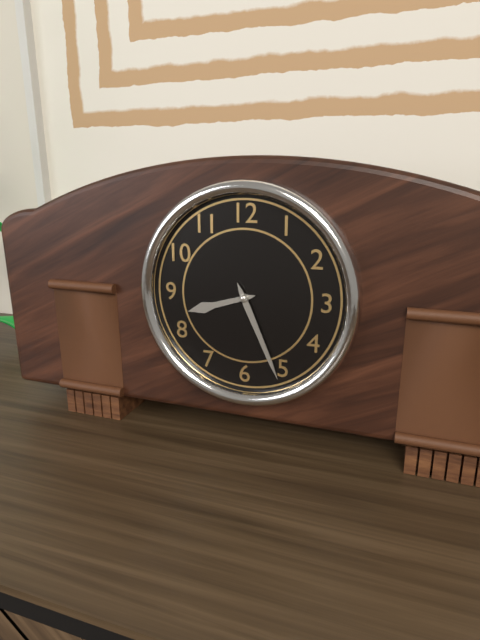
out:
8 h 26 min
